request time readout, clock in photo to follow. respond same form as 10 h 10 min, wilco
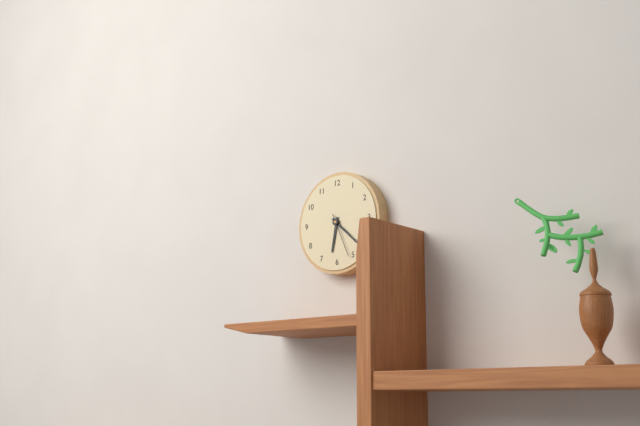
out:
6 h 22 min
